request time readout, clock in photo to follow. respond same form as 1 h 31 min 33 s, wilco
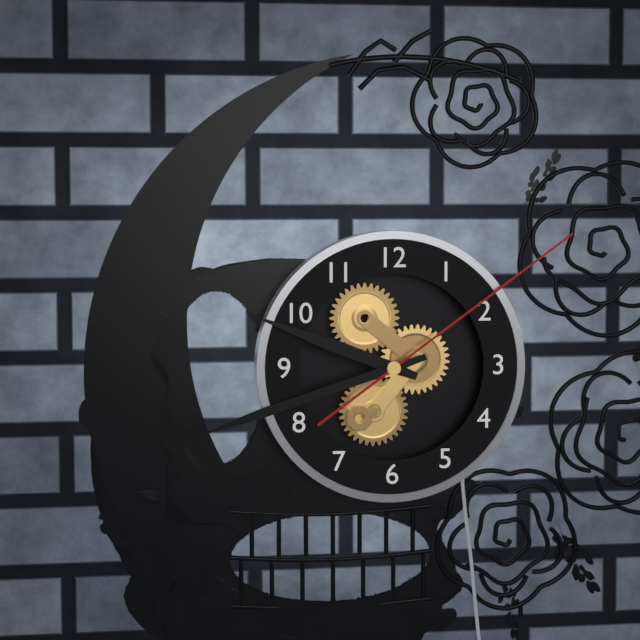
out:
9 h 42 min 09 s
